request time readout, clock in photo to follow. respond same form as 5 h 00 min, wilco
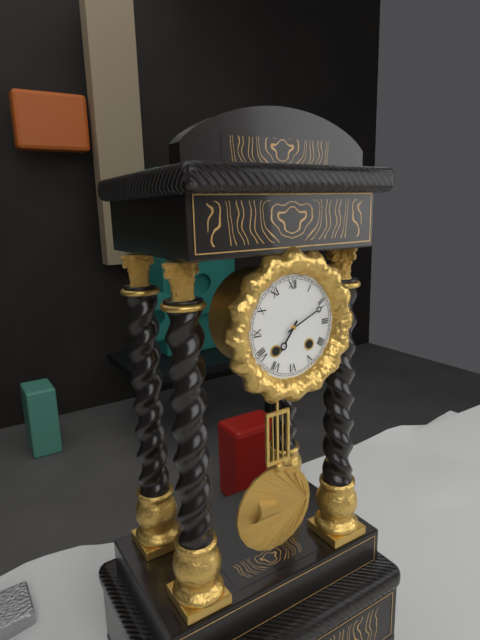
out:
7 h 11 min
